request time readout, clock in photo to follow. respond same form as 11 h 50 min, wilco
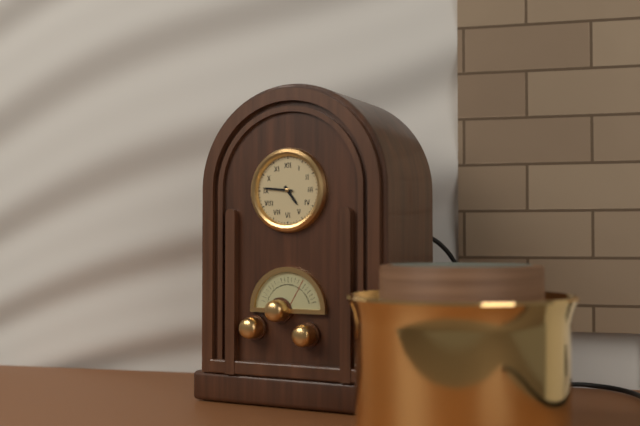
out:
4 h 46 min
